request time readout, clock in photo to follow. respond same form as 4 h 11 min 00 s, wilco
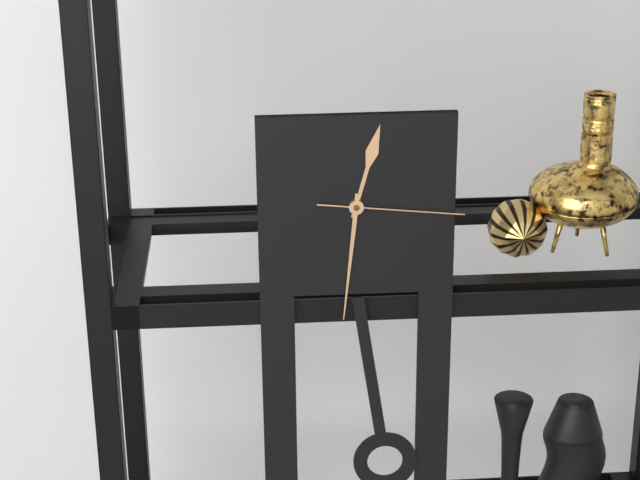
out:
12 h 31 min 16 s
